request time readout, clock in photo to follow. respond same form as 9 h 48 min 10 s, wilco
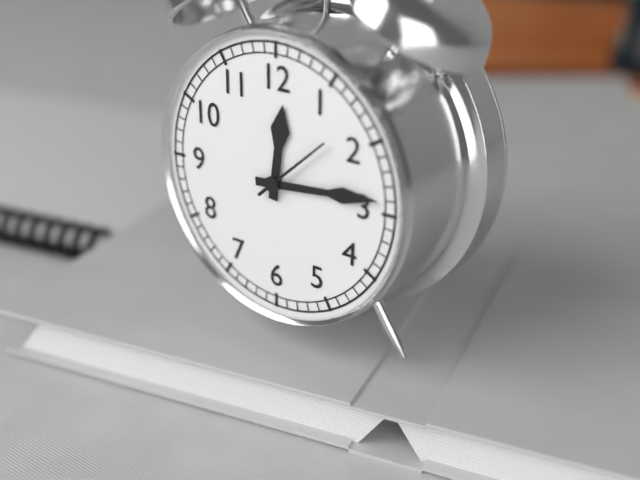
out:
12 h 14 min 08 s
